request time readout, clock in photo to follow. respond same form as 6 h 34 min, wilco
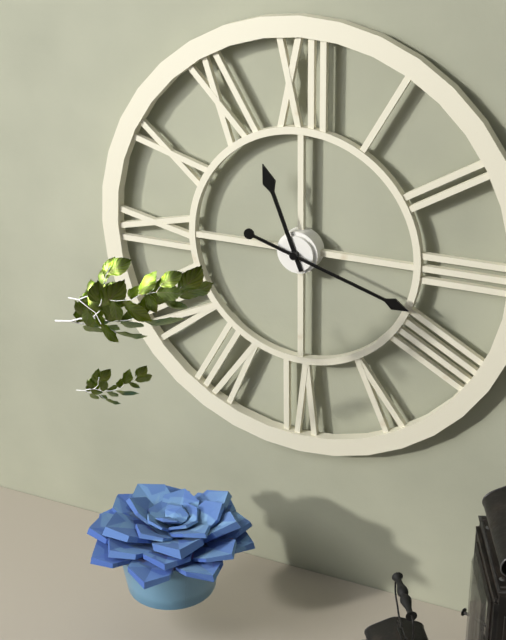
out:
11 h 18 min
